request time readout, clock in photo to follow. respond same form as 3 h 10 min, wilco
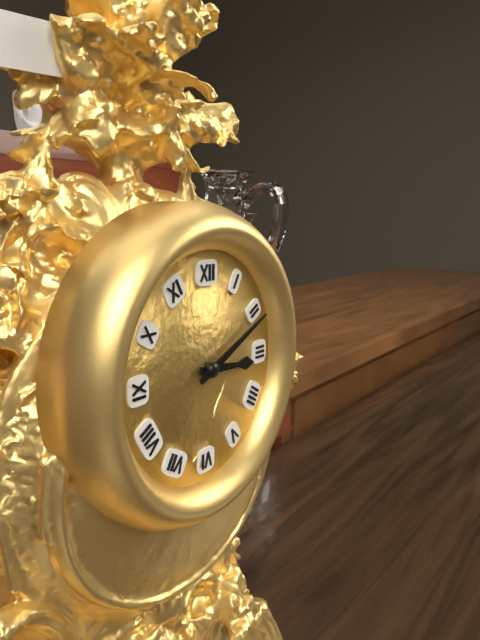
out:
3 h 11 min
